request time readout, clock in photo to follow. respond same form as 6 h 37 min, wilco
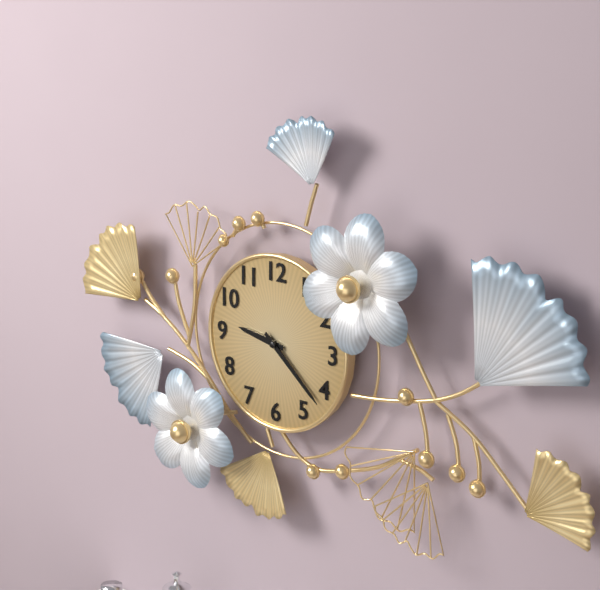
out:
9 h 22 min
